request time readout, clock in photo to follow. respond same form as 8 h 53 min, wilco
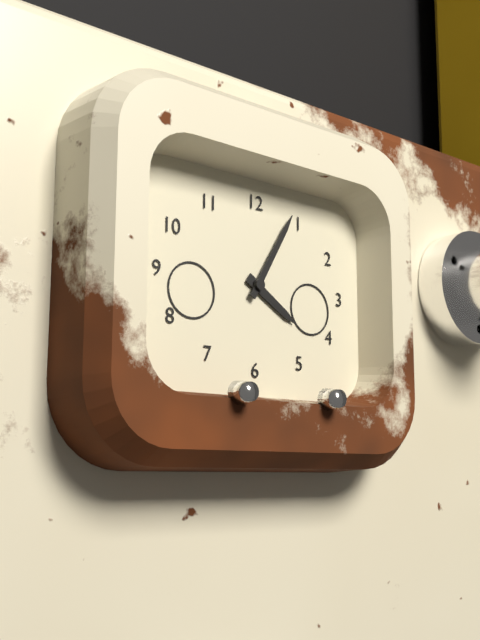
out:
4 h 05 min
